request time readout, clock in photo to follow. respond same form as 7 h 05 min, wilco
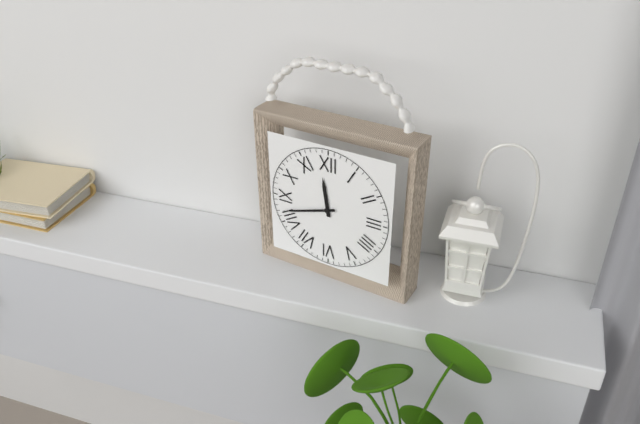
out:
11 h 42 min
